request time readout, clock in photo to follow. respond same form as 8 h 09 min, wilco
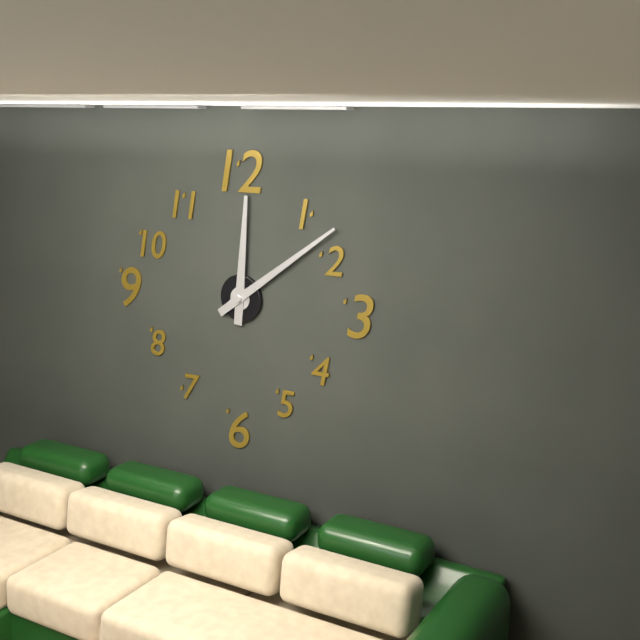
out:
12 h 09 min
